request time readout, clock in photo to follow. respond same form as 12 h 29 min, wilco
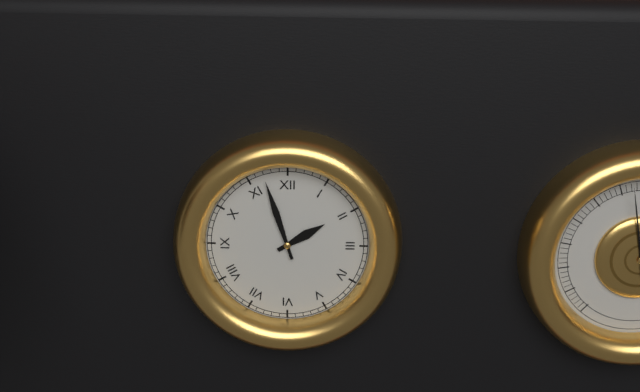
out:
1 h 57 min
